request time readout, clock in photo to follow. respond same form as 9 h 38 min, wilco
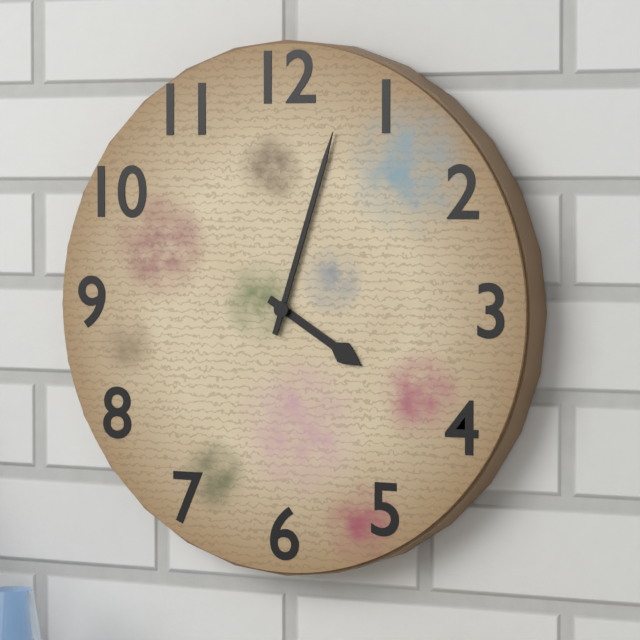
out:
4 h 03 min
